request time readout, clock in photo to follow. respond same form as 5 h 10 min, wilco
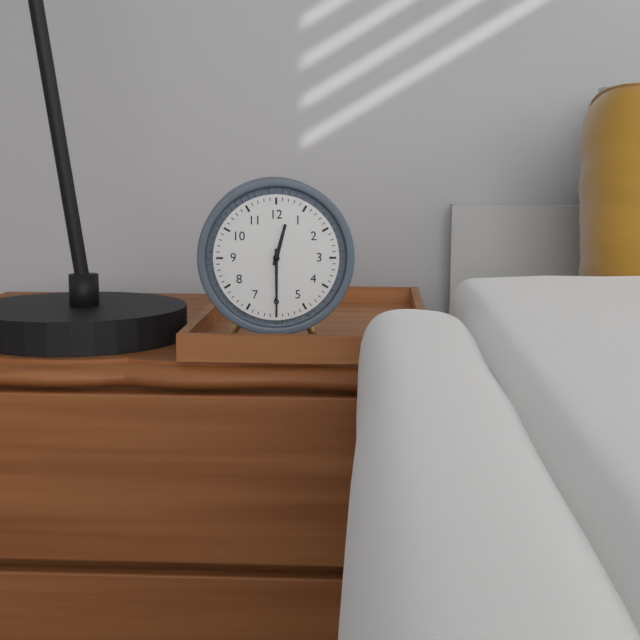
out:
12 h 30 min
